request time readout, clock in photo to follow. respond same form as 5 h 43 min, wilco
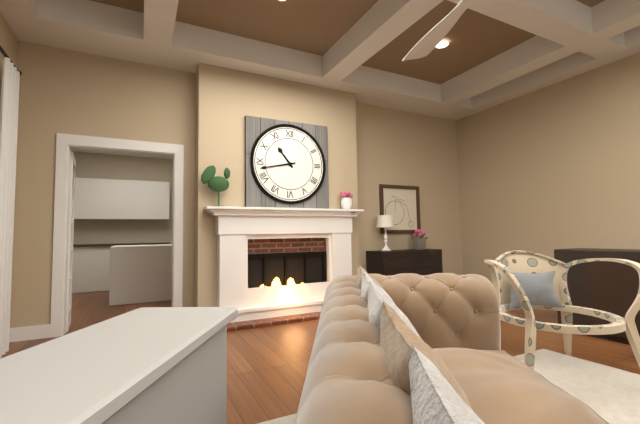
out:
10 h 43 min
